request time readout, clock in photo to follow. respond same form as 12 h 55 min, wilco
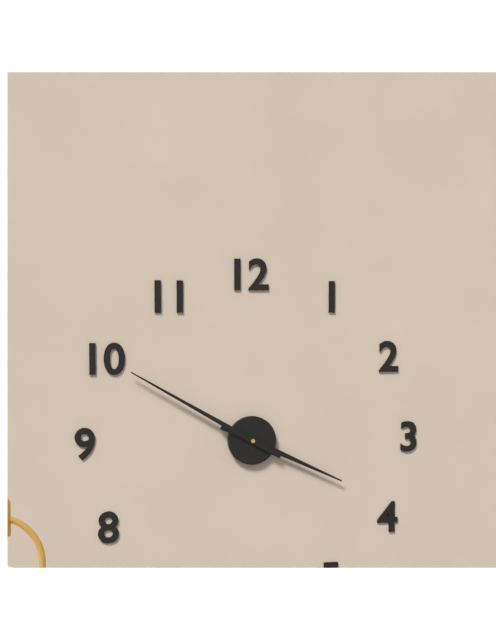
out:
3 h 50 min
